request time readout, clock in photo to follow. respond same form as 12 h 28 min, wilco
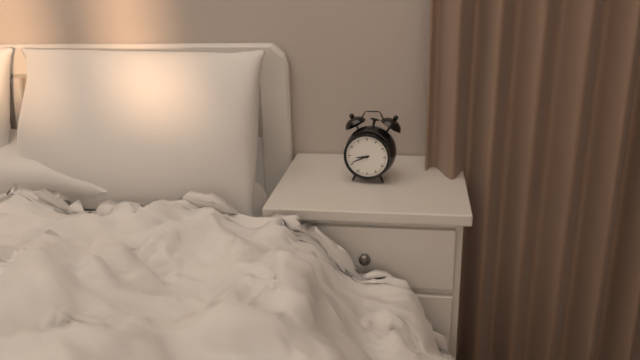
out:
8 h 41 min
